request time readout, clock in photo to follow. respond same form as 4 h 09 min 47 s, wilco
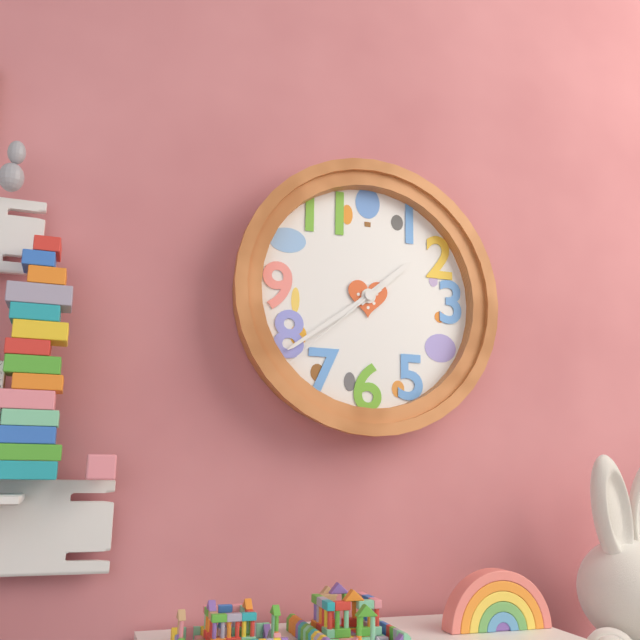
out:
1 h 39 min 38 s
